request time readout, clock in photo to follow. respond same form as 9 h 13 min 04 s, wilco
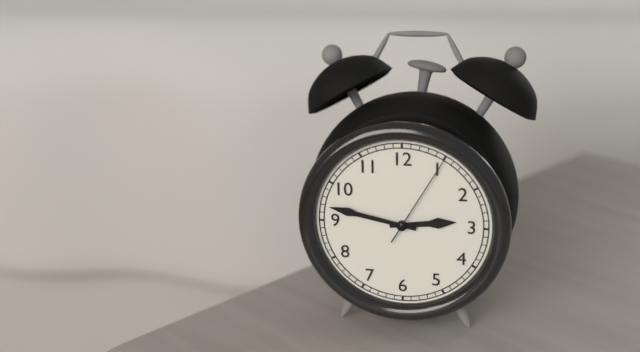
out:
2 h 47 min 05 s
